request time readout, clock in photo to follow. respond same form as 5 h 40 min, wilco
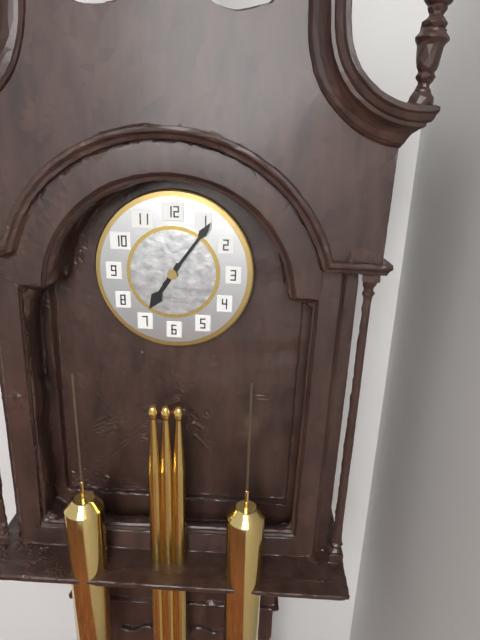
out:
7 h 06 min
